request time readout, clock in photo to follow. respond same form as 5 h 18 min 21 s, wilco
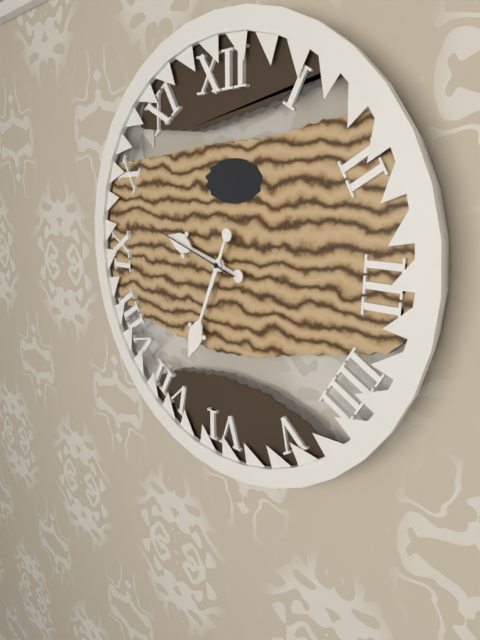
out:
9 h 34 min 48 s
